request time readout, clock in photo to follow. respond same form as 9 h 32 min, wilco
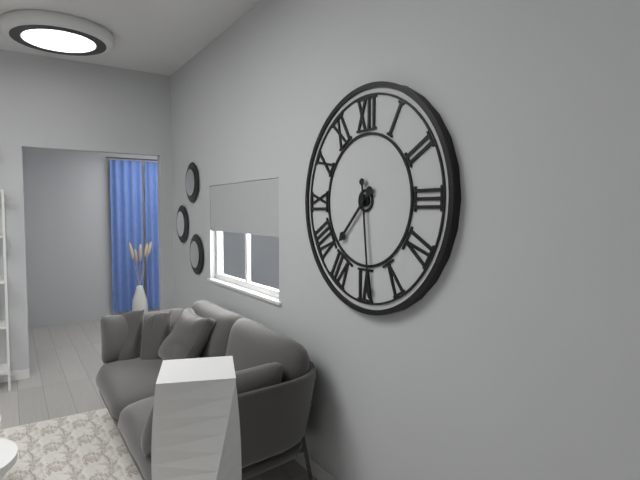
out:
7 h 29 min
